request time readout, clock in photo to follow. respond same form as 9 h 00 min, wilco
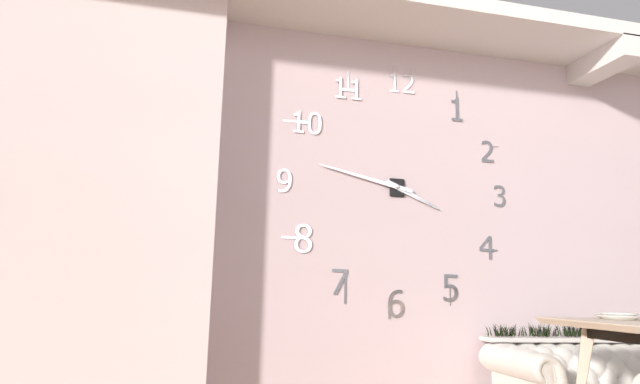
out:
3 h 47 min
